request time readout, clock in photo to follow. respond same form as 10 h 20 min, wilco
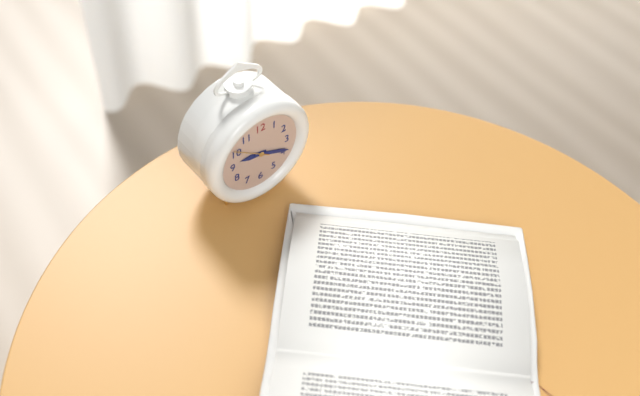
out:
9 h 19 min
